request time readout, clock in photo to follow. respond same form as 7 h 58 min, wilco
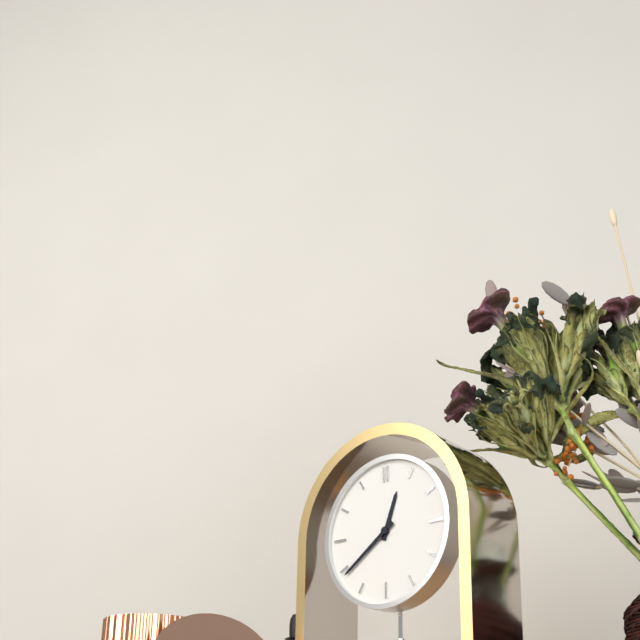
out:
12 h 39 min
